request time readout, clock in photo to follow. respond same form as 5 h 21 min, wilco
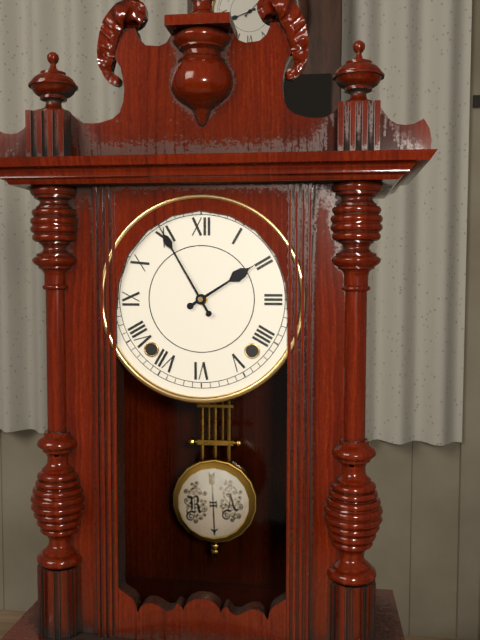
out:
1 h 55 min
